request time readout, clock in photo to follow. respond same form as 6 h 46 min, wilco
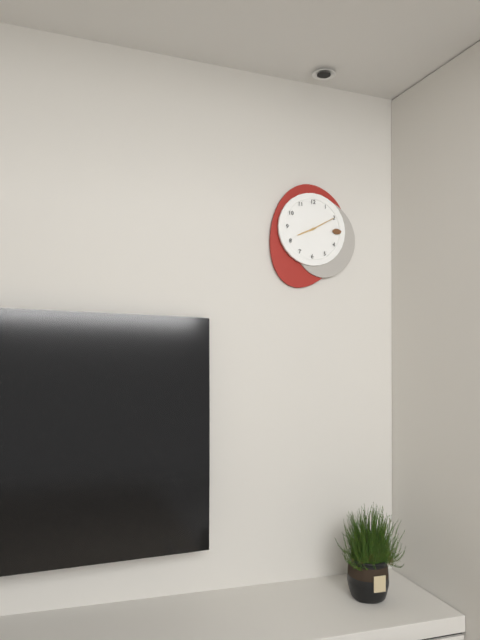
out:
8 h 10 min
